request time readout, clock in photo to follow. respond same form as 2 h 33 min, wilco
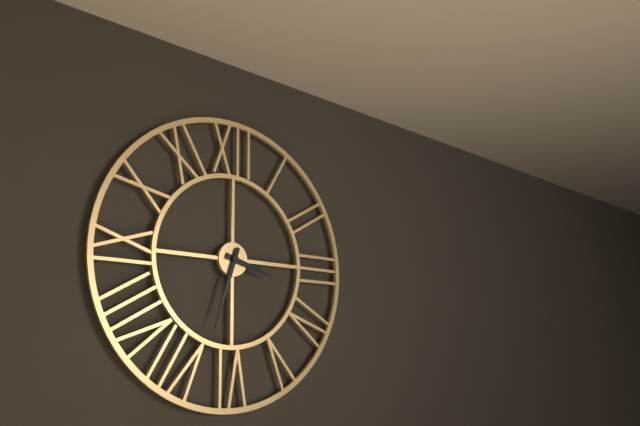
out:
3 h 33 min
